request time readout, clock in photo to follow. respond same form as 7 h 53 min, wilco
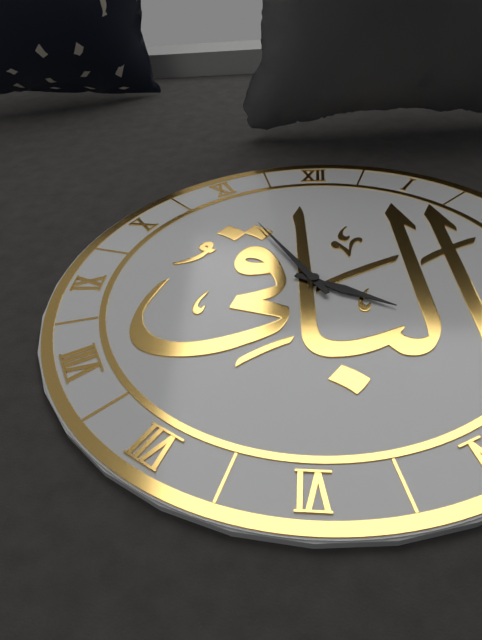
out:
3 h 55 min
